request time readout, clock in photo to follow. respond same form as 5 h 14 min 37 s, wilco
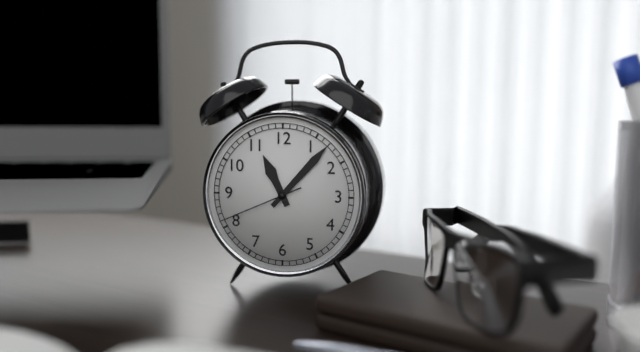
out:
11 h 07 min 41 s
